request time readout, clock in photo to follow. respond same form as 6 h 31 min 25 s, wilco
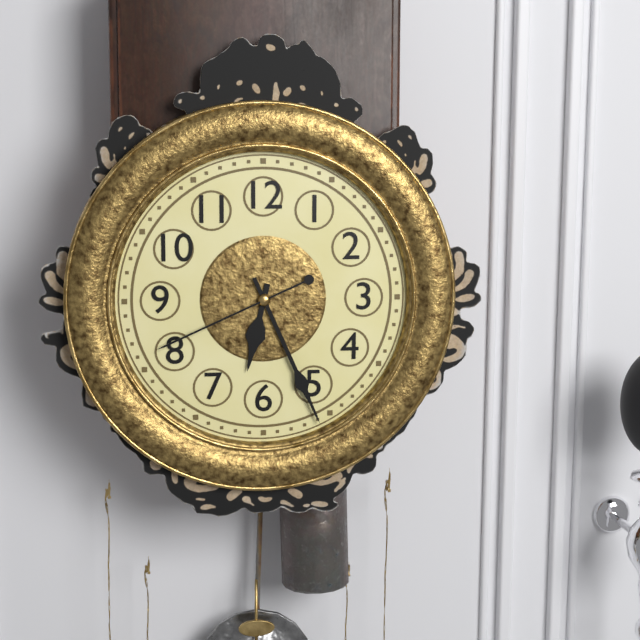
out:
6 h 26 min 41 s
